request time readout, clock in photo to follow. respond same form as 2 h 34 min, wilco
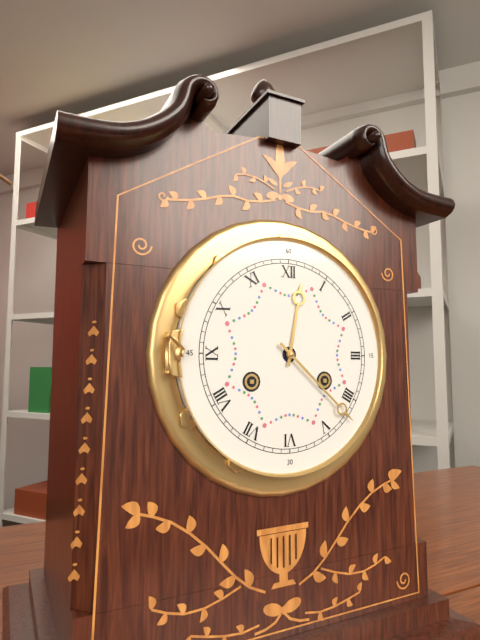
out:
12 h 22 min
